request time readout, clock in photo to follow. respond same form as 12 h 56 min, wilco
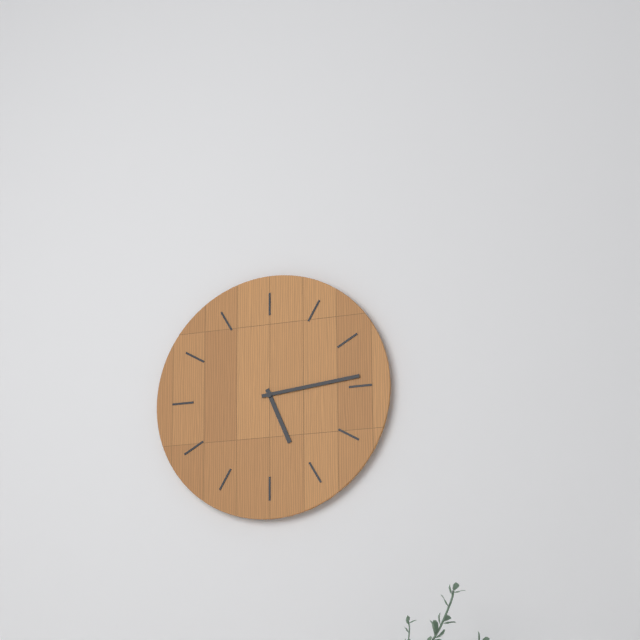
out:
5 h 14 min
